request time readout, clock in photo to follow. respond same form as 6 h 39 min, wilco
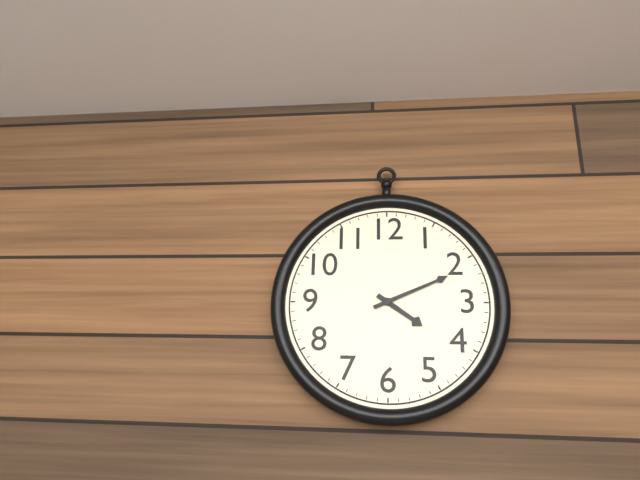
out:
4 h 11 min
